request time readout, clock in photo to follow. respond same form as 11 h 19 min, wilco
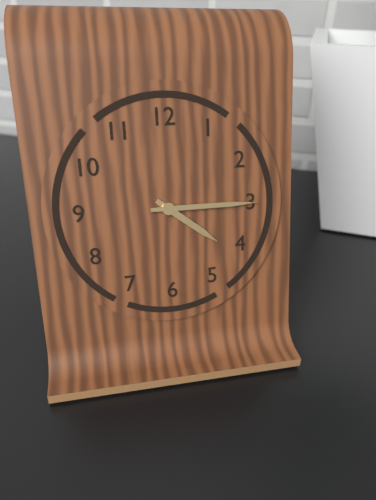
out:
4 h 15 min
